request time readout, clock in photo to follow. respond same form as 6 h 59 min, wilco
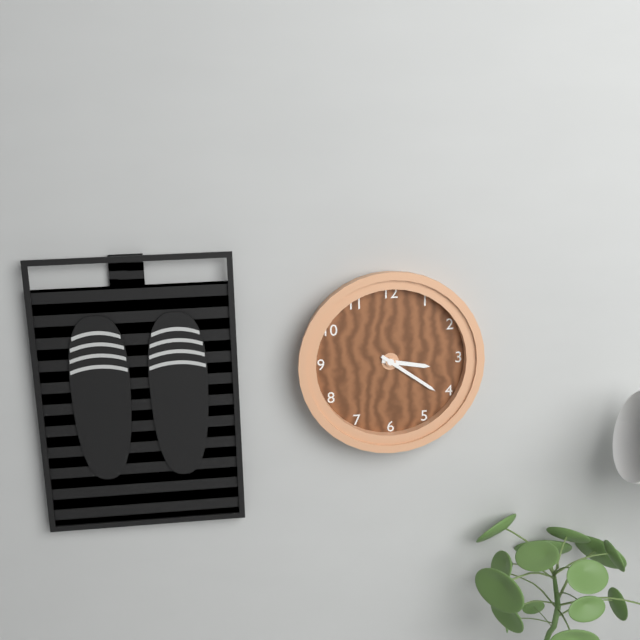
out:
3 h 21 min
